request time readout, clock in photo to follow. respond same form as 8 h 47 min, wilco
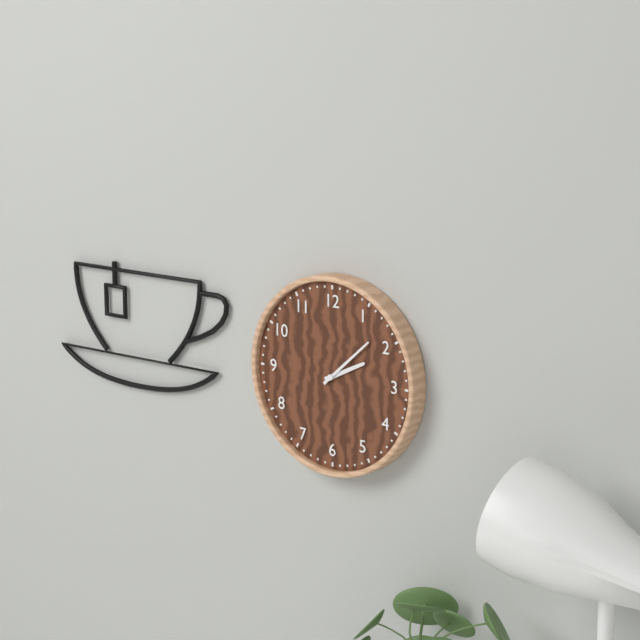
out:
2 h 08 min
